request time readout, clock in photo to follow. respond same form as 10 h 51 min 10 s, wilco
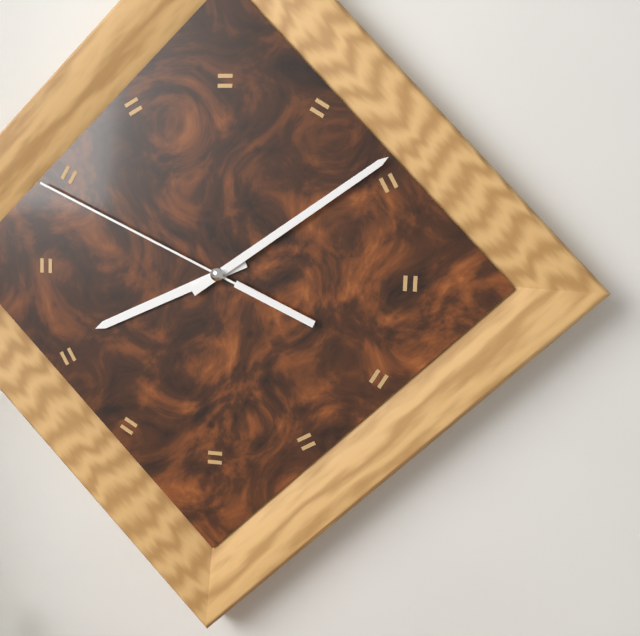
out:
8 h 09 min 49 s
